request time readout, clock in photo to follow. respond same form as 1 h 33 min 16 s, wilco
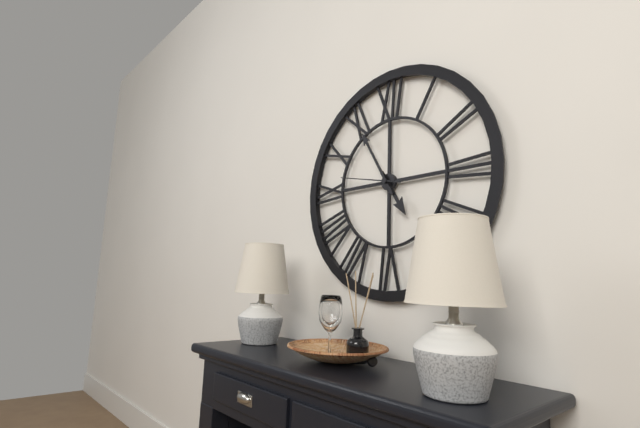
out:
4 h 55 min 47 s
